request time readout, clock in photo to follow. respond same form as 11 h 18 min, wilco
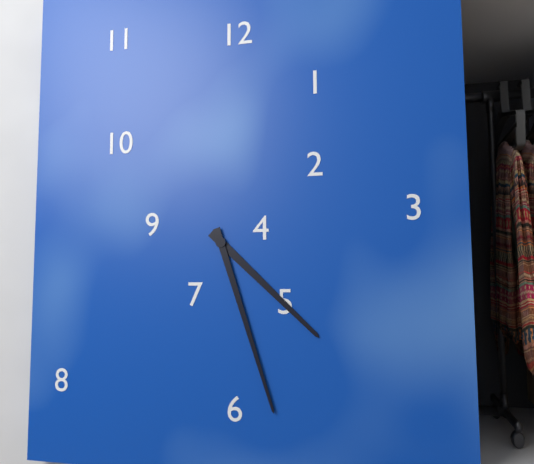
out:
4 h 27 min
